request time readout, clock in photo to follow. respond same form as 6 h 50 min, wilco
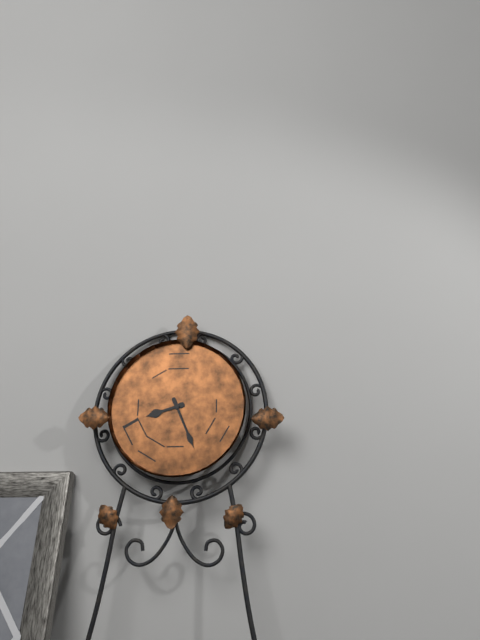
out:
8 h 26 min
